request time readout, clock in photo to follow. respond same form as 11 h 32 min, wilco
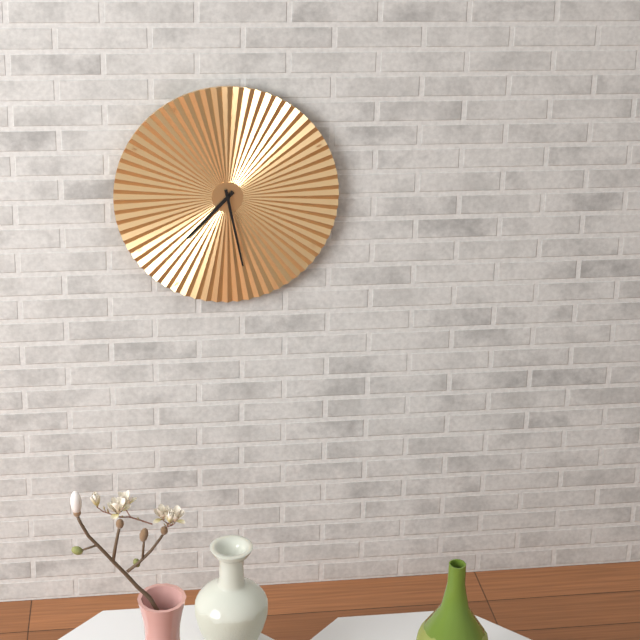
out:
7 h 28 min
